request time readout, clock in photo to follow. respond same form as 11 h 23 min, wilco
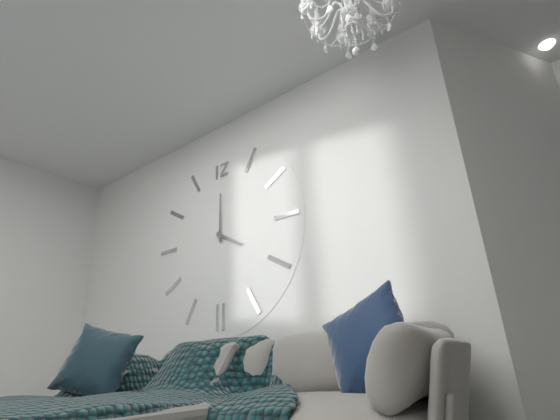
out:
4 h 00 min
